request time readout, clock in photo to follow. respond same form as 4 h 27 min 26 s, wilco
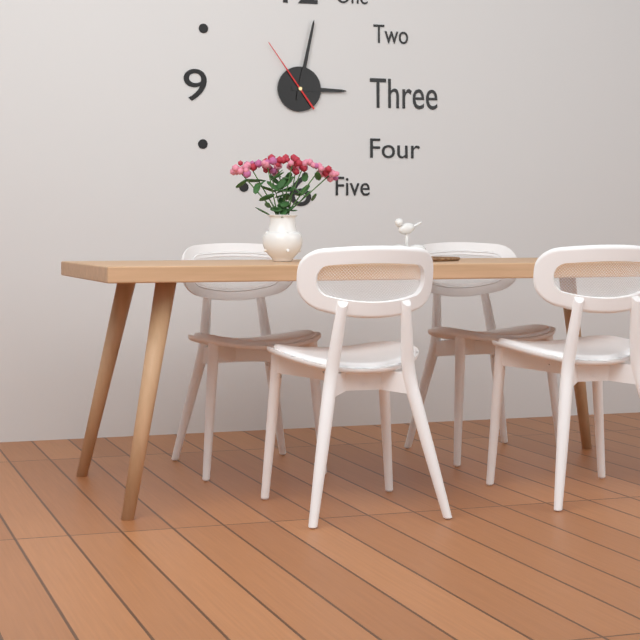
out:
3 h 02 min 54 s
